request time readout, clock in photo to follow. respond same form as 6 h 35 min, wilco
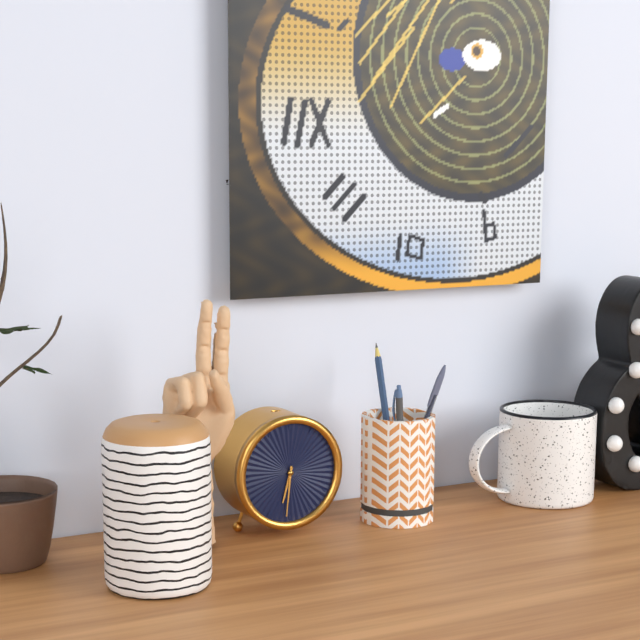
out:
6 h 31 min
